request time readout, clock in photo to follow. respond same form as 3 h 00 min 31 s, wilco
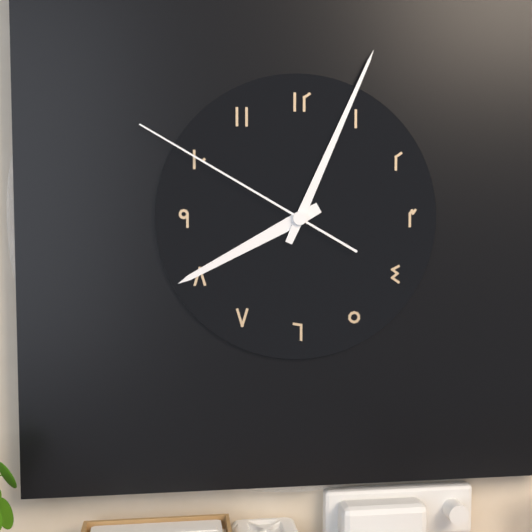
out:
8 h 04 min 50 s
